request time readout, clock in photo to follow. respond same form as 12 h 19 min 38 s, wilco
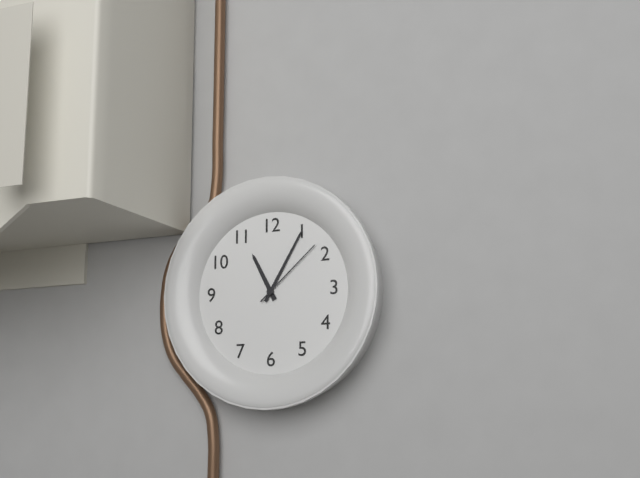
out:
11 h 05 min 08 s
